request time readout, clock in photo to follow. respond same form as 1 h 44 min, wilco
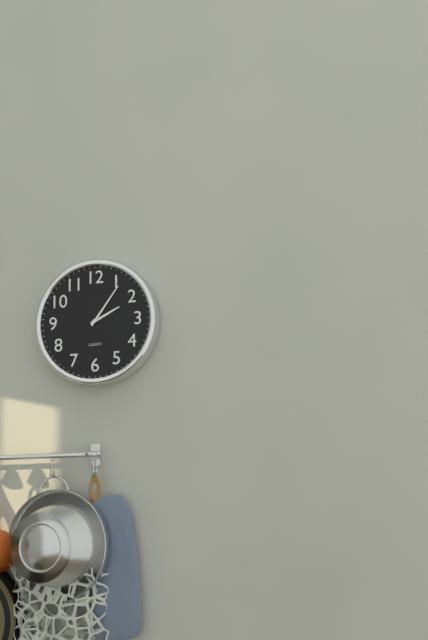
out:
2 h 06 min
